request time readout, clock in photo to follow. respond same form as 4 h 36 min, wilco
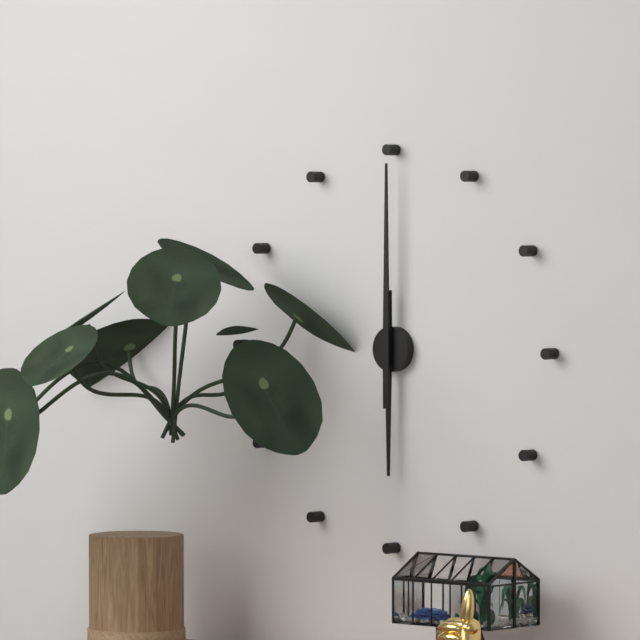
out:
6 h 00 min
